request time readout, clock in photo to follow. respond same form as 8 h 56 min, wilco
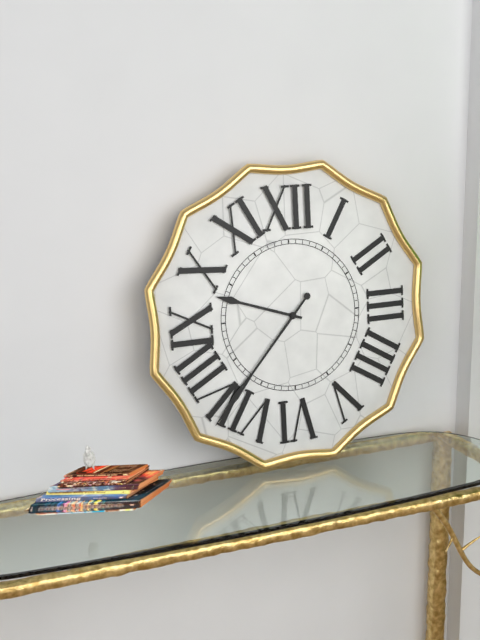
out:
9 h 37 min
